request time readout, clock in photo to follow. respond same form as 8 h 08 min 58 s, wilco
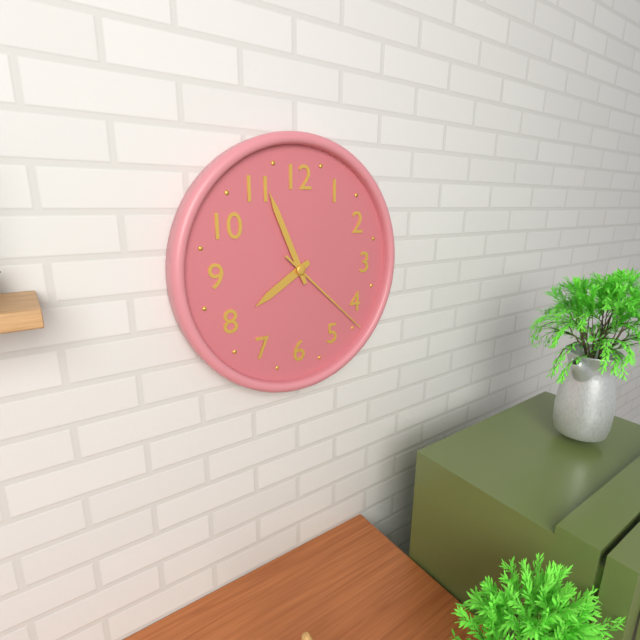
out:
7 h 56 min 22 s
